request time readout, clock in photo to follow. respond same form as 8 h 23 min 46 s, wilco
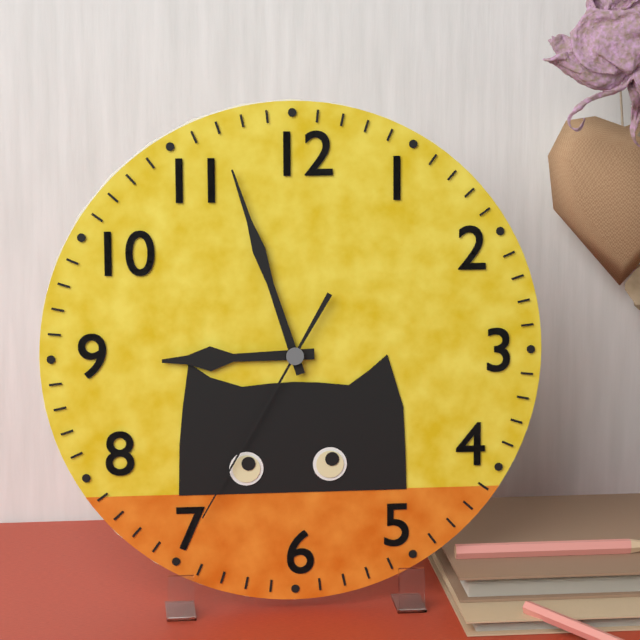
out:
8 h 57 min 35 s
